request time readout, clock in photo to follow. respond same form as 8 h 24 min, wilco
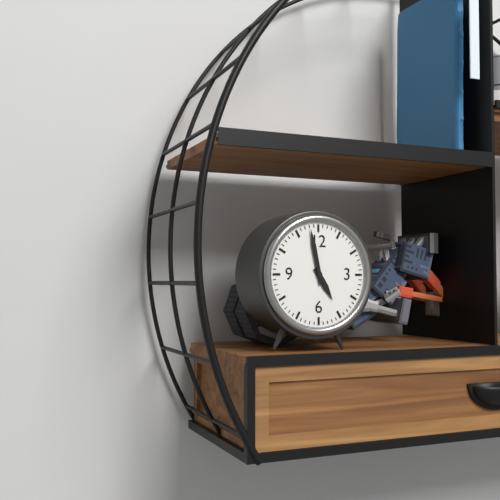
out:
4 h 58 min
